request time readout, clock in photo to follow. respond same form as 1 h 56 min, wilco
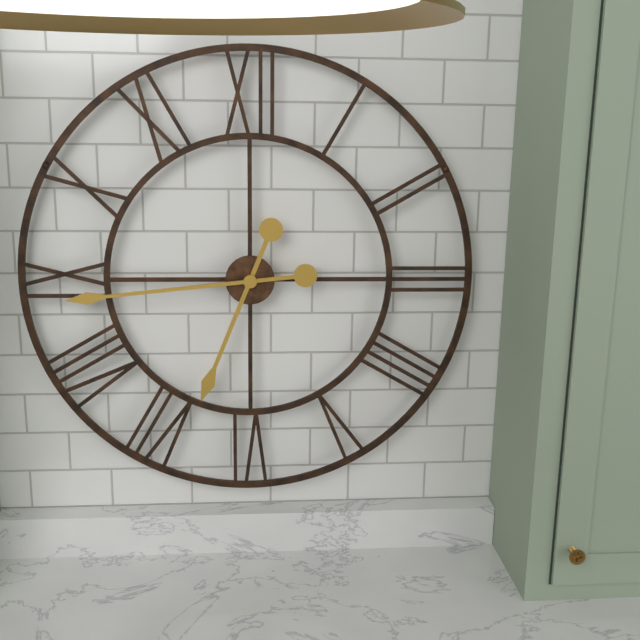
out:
6 h 44 min
